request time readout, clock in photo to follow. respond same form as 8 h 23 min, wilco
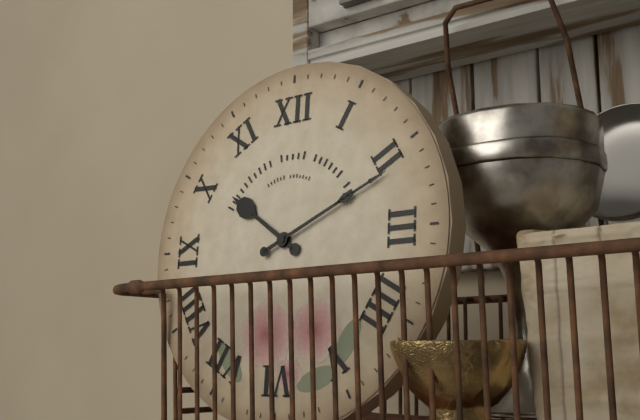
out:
10 h 11 min
